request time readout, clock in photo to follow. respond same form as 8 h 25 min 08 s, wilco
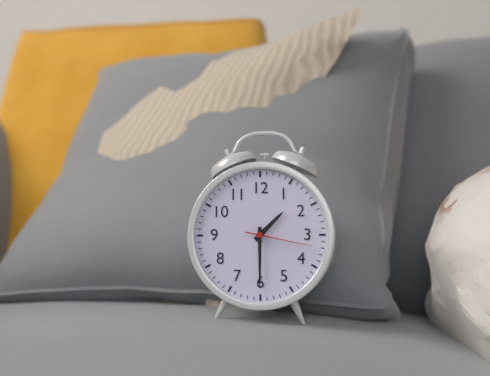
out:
1 h 30 min 17 s
